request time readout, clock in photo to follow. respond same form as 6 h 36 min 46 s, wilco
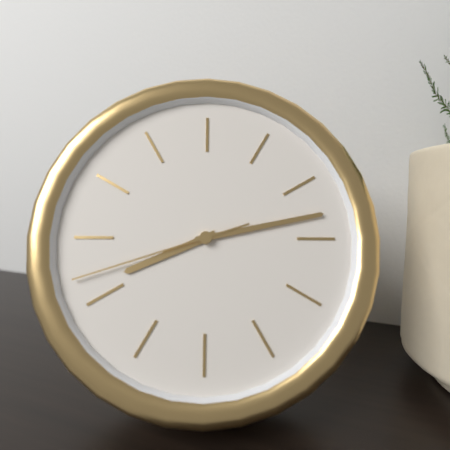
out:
8 h 13 min 42 s
